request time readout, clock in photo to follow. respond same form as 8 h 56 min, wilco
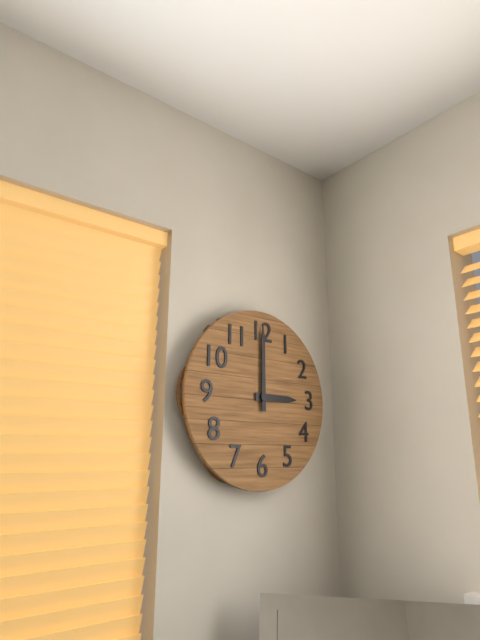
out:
3 h 00 min
